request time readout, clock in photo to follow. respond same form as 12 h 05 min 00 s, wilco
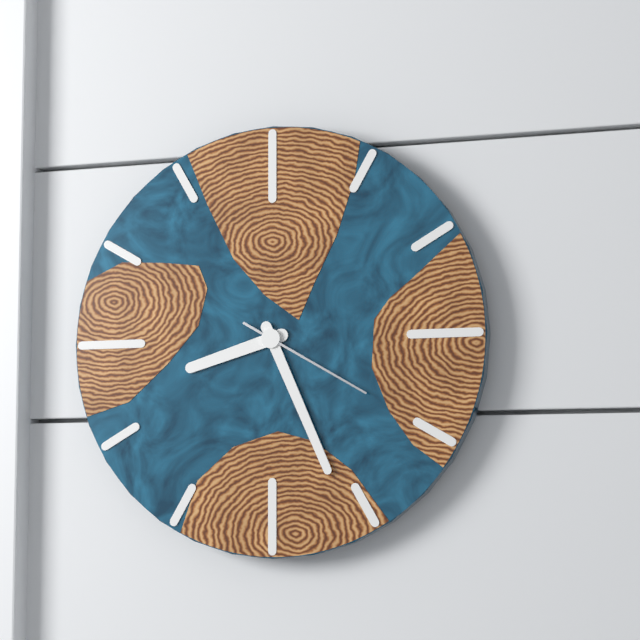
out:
8 h 26 min 20 s
